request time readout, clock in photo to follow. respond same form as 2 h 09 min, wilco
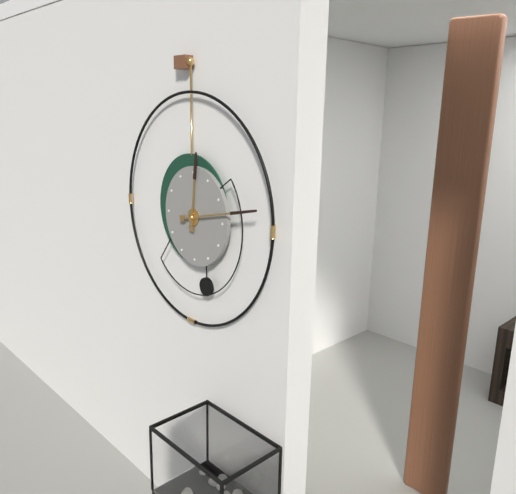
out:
12 h 13 min
